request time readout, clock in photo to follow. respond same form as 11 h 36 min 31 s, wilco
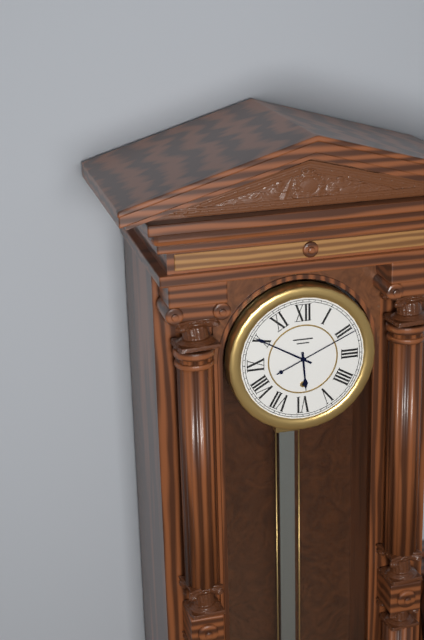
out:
5 h 50 min 11 s
